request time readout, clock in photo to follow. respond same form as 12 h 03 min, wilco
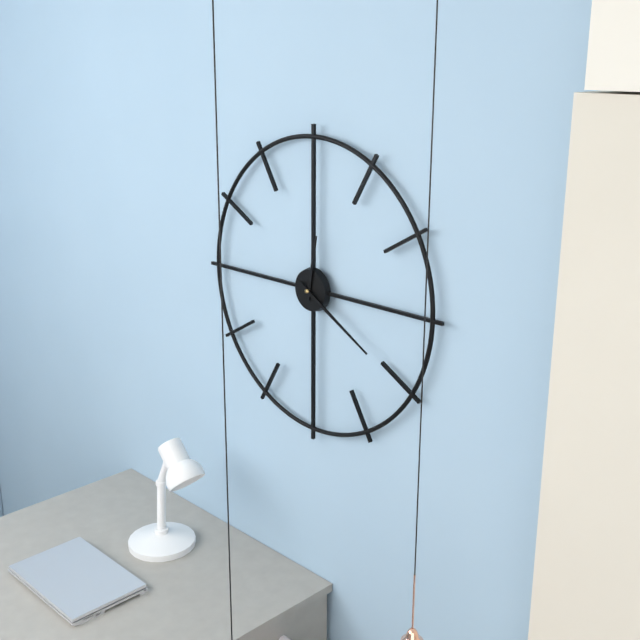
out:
12 h 20 min
